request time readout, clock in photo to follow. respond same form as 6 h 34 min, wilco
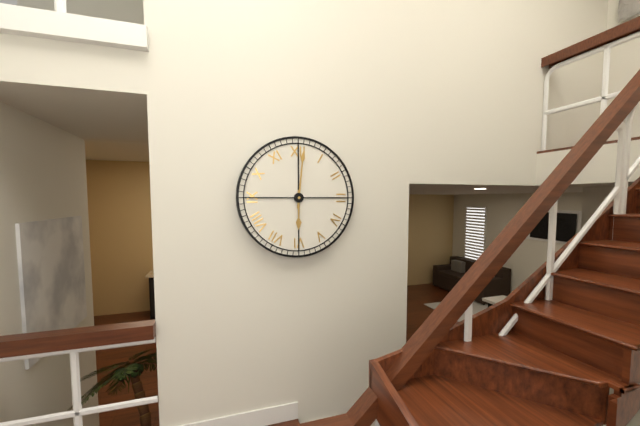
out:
6 h 01 min
